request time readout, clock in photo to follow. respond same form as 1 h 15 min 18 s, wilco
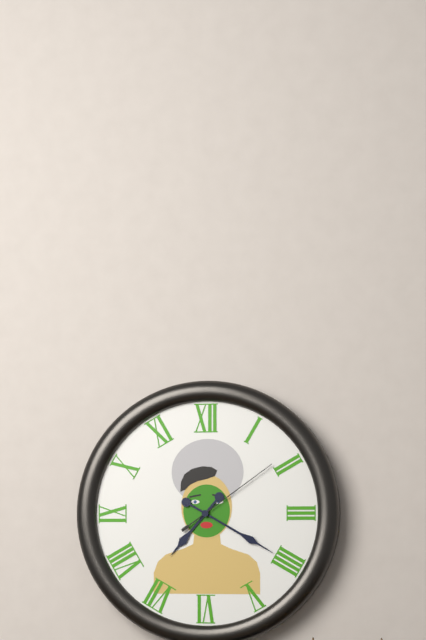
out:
7 h 20 min 09 s
